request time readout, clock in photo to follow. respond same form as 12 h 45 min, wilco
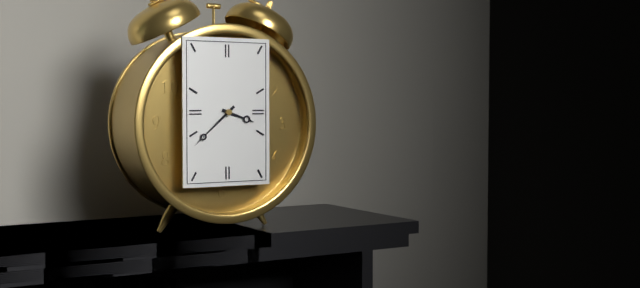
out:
3 h 38 min
